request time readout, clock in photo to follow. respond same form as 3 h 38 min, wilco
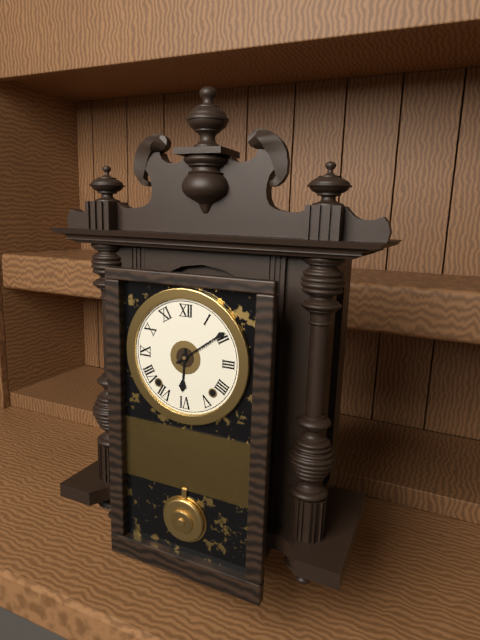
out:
6 h 09 min
